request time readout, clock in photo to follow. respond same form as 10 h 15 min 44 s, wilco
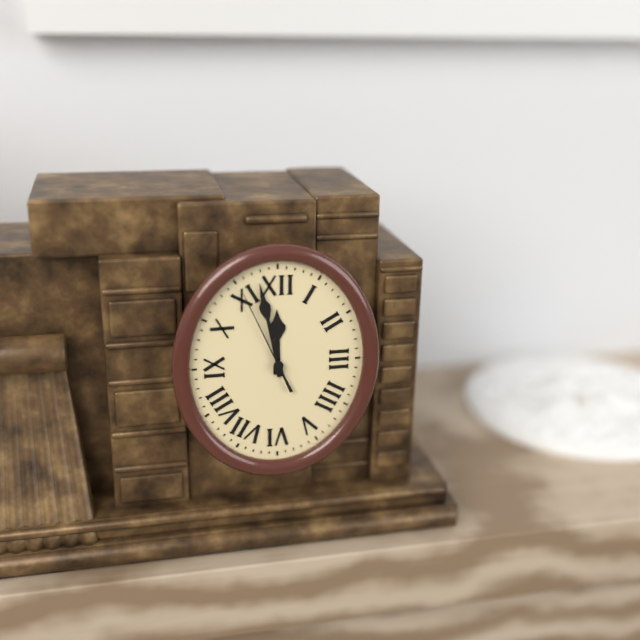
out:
11 h 58 min 56 s
